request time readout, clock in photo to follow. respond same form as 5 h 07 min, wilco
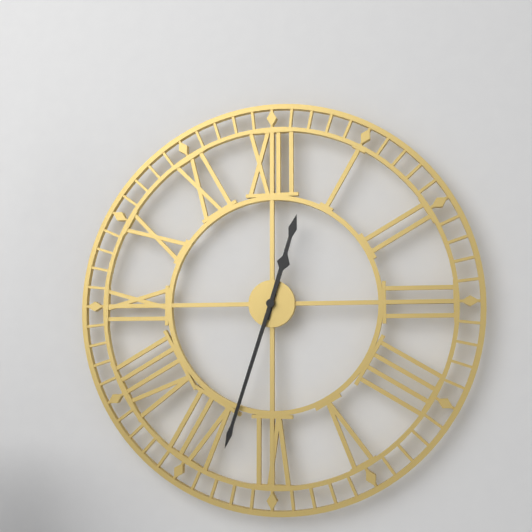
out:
12 h 33 min
